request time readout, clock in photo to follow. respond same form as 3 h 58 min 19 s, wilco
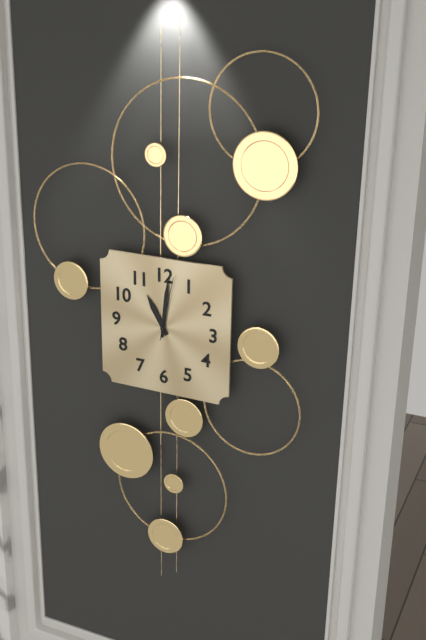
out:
11 h 01 min 02 s
